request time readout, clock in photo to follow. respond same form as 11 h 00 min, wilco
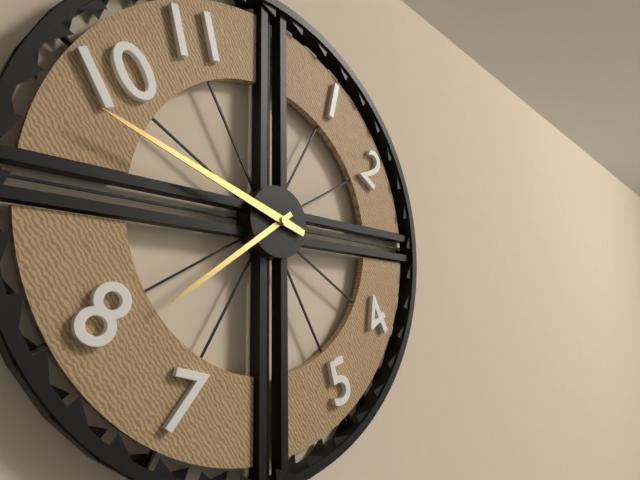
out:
7 h 48 min
